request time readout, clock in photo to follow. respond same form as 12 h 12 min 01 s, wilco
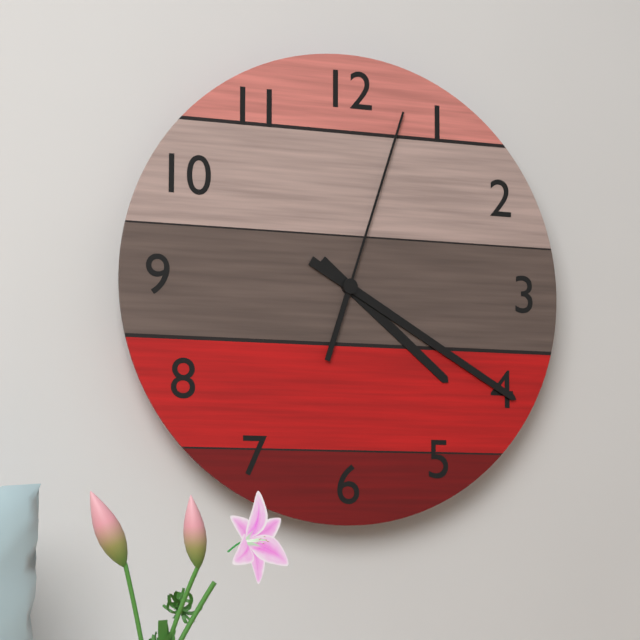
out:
4 h 20 min 03 s
